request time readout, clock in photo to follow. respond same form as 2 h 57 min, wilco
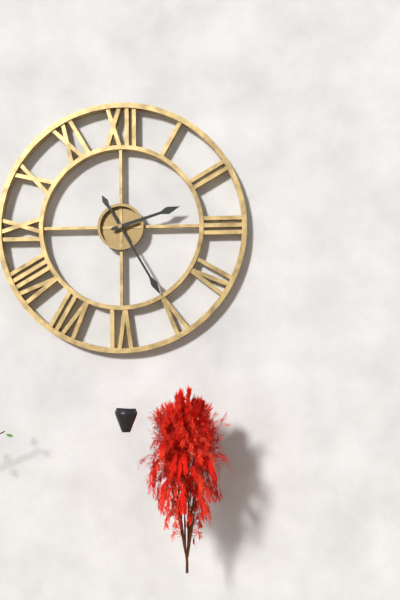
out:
2 h 25 min
